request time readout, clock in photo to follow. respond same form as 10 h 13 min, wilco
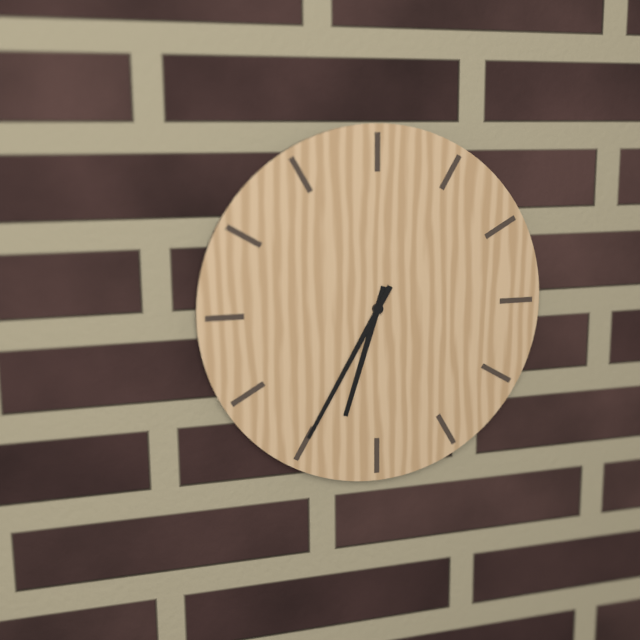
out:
6 h 35 min
